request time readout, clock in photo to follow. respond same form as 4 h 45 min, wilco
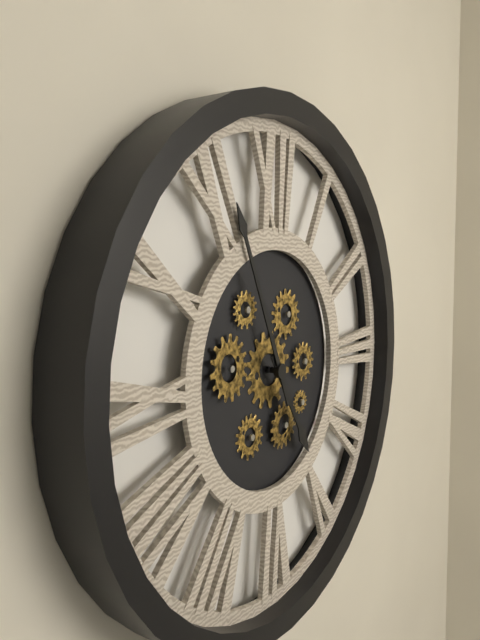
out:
4 h 56 min
